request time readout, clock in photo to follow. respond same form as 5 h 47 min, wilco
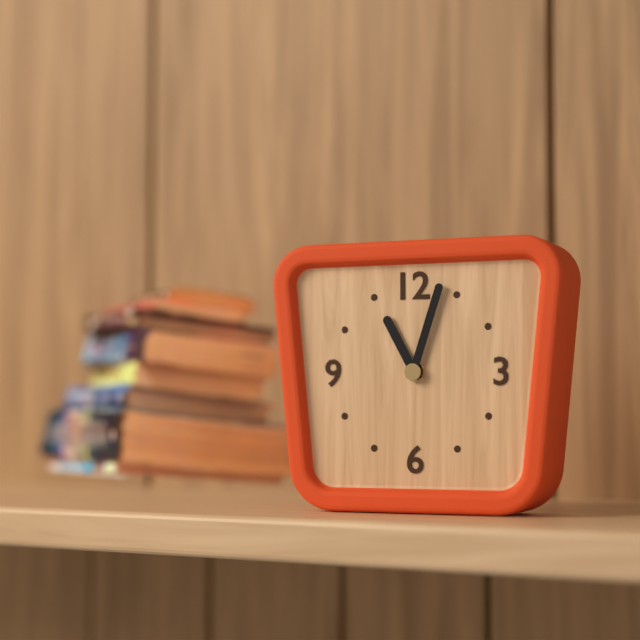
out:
11 h 03 min
